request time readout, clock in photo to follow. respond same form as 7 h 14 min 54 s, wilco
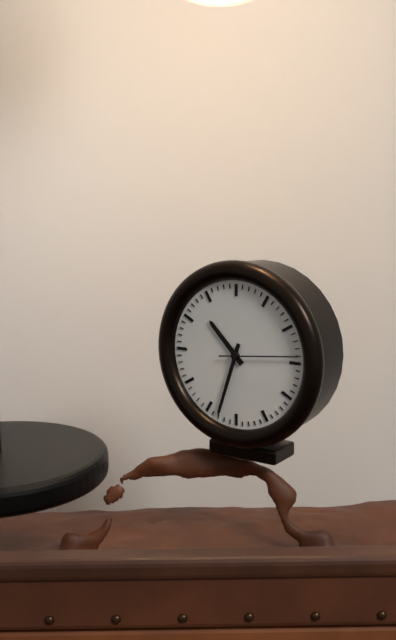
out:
10 h 33 min 14 s
